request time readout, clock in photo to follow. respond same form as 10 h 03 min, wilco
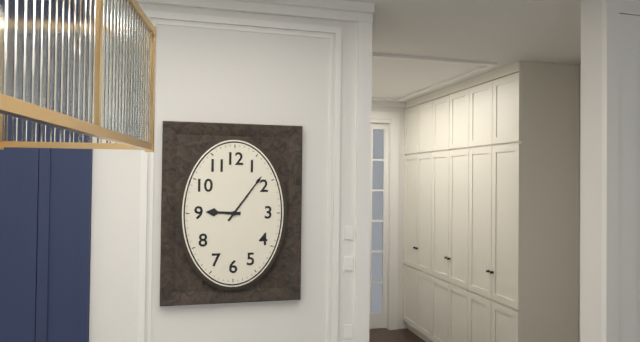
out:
9 h 06 min
